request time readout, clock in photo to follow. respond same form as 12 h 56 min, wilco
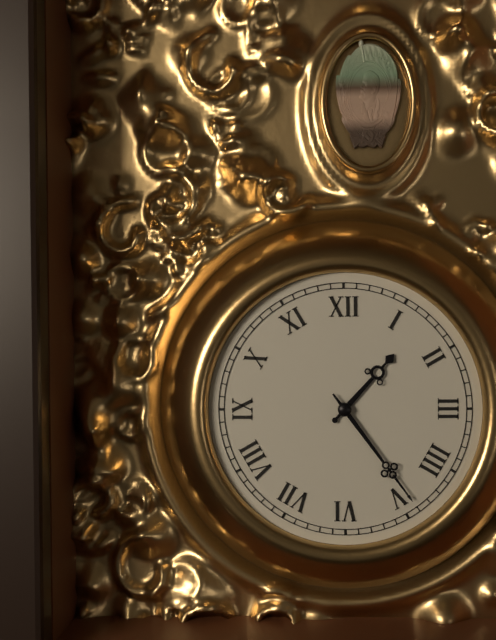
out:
1 h 24 min
